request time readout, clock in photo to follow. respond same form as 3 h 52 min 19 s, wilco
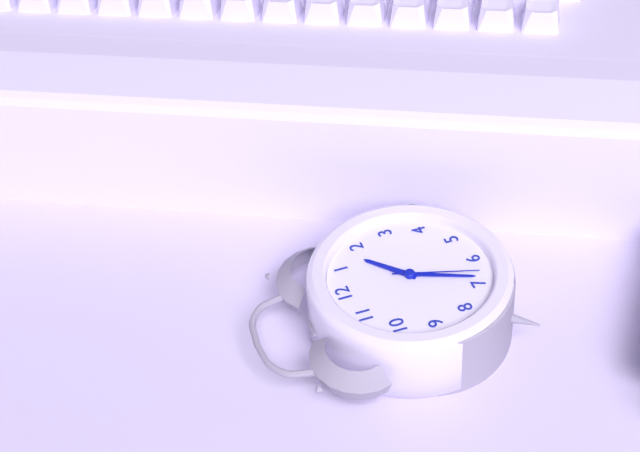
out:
1 h 34 min 33 s
